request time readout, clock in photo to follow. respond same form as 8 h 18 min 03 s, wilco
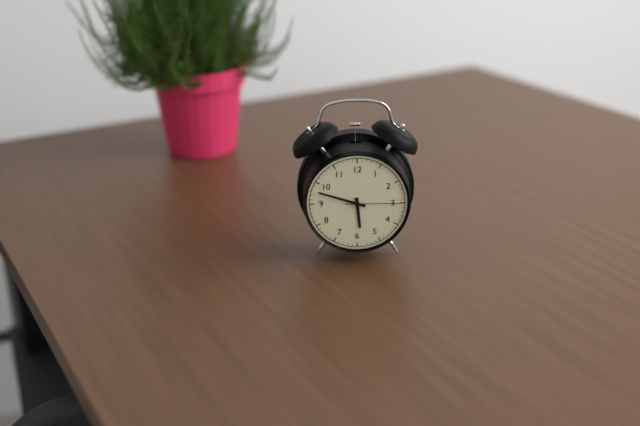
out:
5 h 48 min 15 s
